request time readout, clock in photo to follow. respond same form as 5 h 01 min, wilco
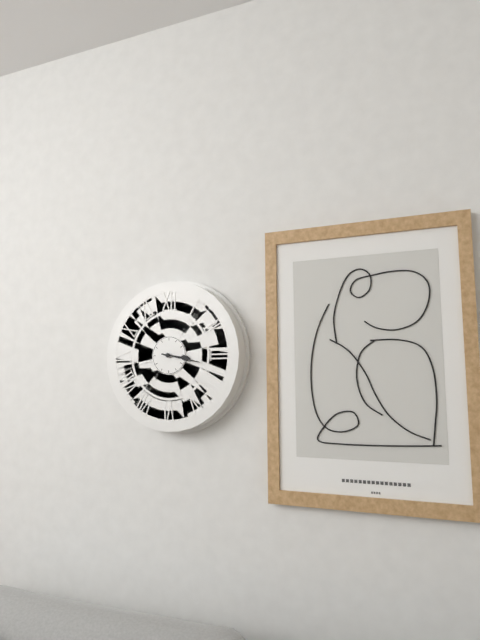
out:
3 h 17 min
